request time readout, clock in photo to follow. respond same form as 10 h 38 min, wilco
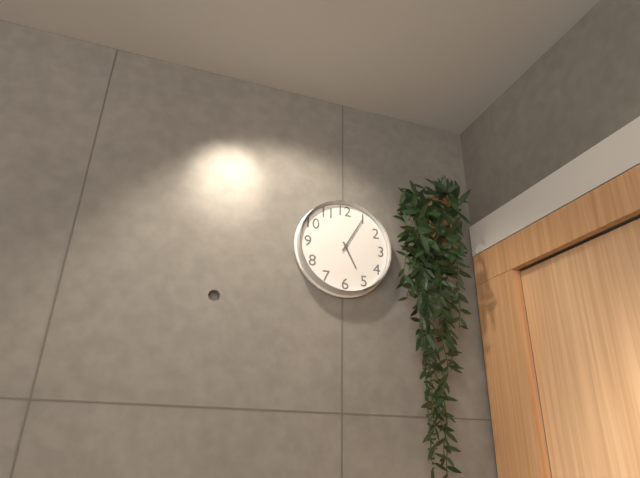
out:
5 h 05 min
